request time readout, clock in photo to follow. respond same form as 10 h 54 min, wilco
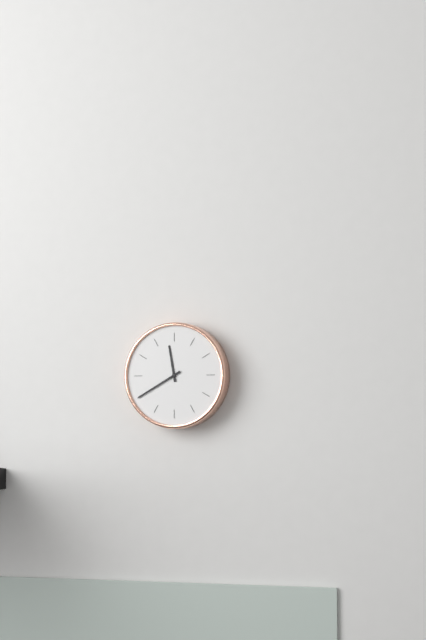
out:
11 h 40 min
